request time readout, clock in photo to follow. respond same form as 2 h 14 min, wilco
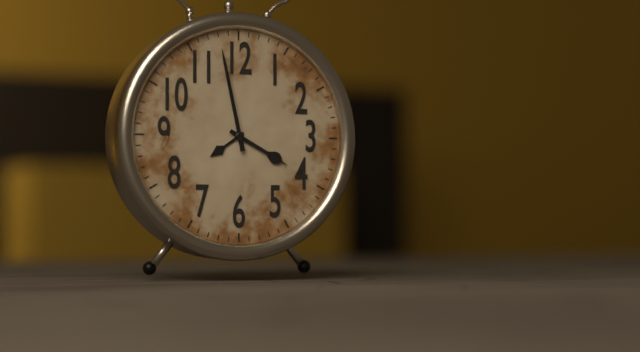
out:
3 h 58 min
